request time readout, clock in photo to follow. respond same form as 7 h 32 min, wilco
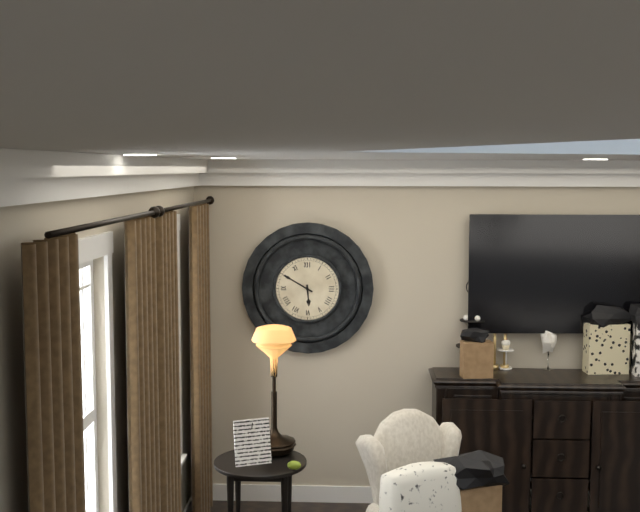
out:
5 h 50 min
